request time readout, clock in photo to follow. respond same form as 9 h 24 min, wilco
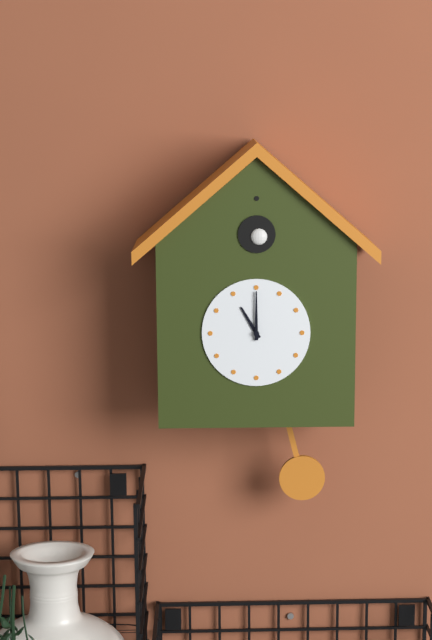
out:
11 h 00 min
